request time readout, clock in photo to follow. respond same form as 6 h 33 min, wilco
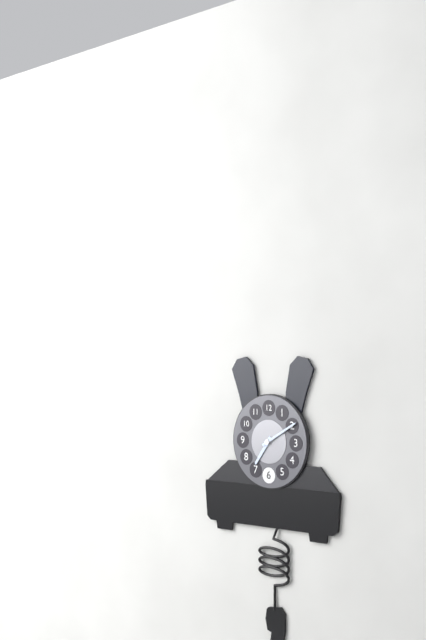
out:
7 h 10 min
